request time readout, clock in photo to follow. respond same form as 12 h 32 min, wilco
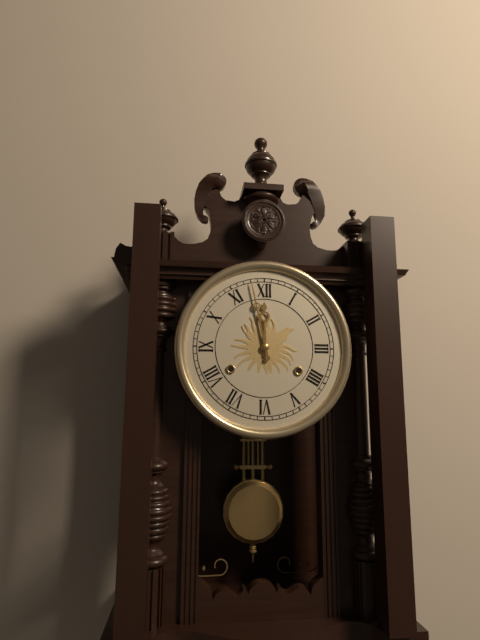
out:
11 h 58 min
